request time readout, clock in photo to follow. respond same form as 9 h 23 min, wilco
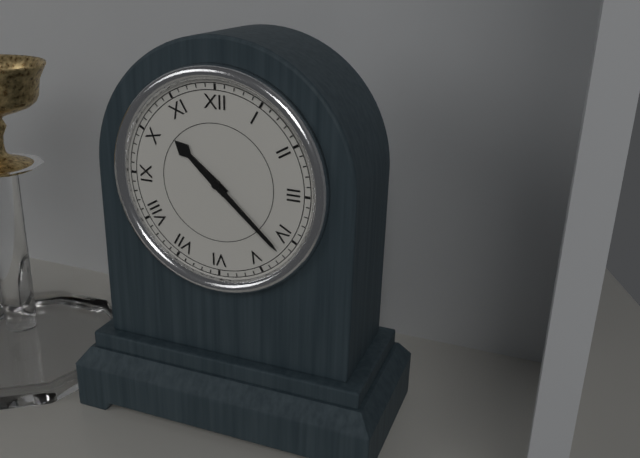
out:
10 h 22 min
